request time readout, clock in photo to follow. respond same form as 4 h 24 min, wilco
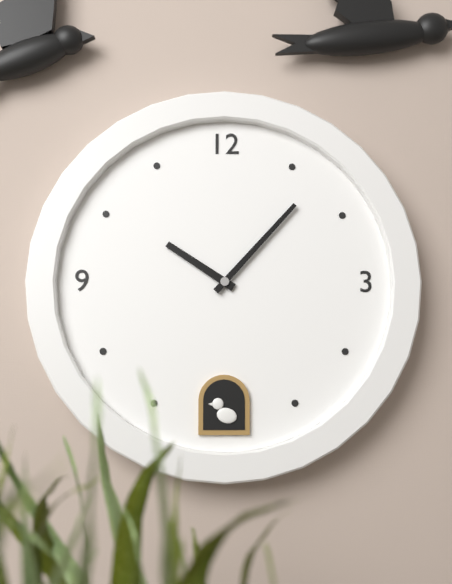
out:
10 h 07 min
